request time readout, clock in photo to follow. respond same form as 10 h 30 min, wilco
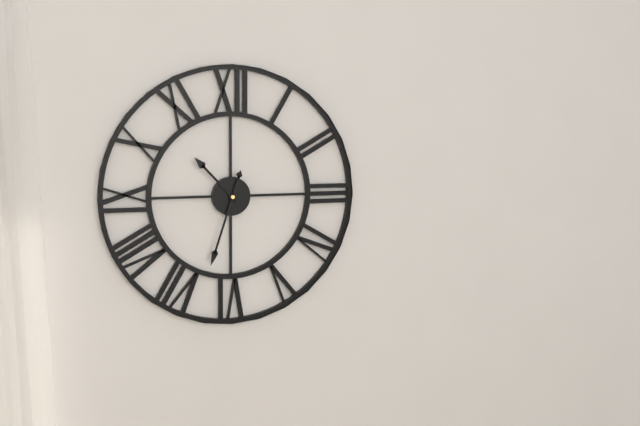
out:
10 h 33 min
